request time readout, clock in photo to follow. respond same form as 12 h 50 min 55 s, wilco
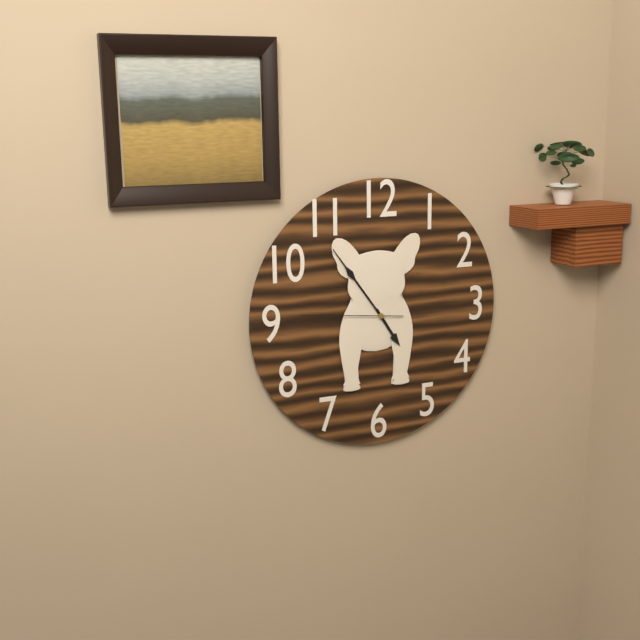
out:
4 h 54 min 46 s
